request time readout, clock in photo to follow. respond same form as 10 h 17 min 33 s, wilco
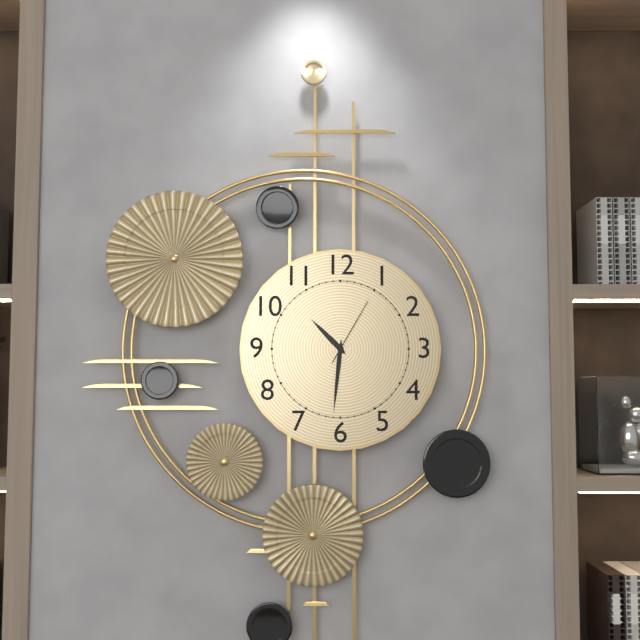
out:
10 h 31 min 05 s
